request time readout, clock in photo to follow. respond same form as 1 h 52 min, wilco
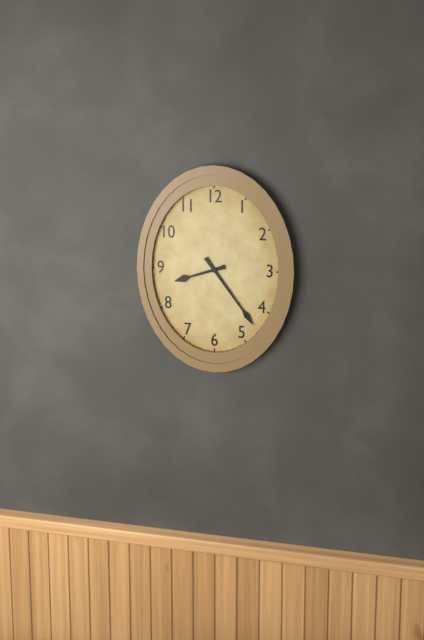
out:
8 h 24 min
